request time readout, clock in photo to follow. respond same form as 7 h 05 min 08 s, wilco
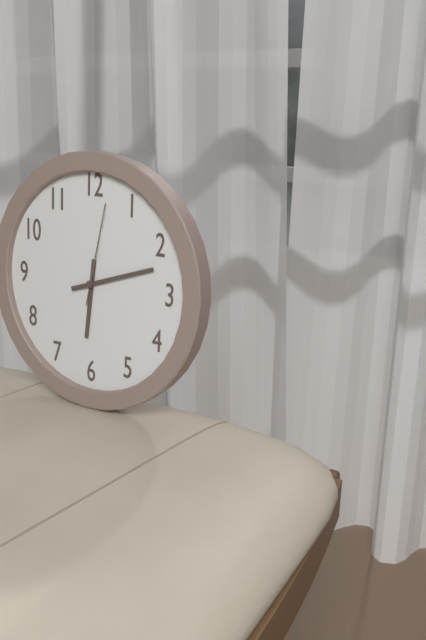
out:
6 h 12 min 02 s
